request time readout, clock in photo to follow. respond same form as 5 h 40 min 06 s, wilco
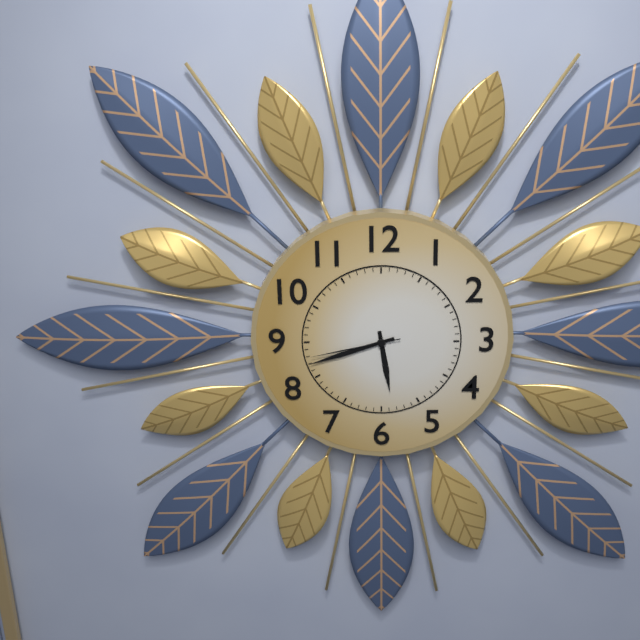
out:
5 h 42 min 43 s
